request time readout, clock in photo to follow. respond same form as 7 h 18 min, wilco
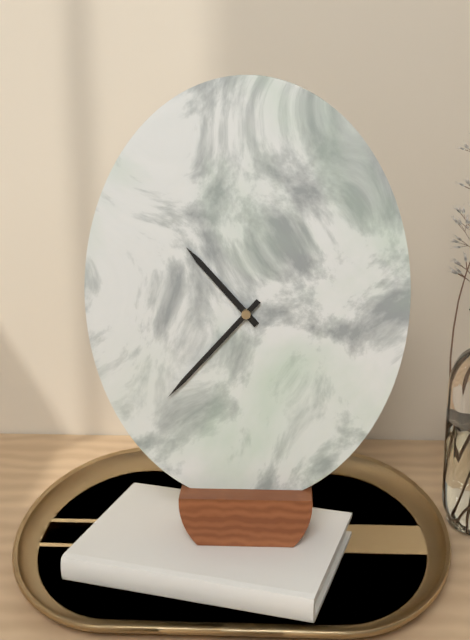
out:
10 h 37 min
